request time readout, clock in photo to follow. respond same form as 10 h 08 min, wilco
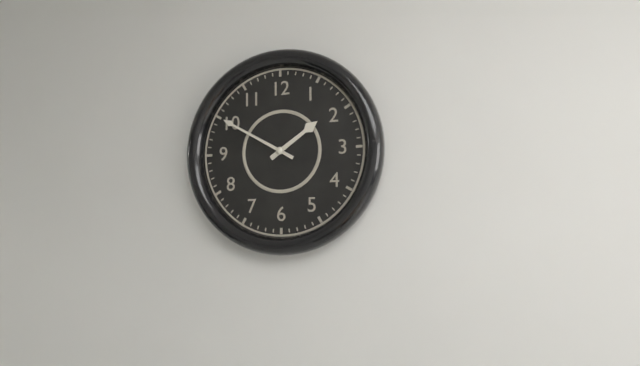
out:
1 h 50 min
